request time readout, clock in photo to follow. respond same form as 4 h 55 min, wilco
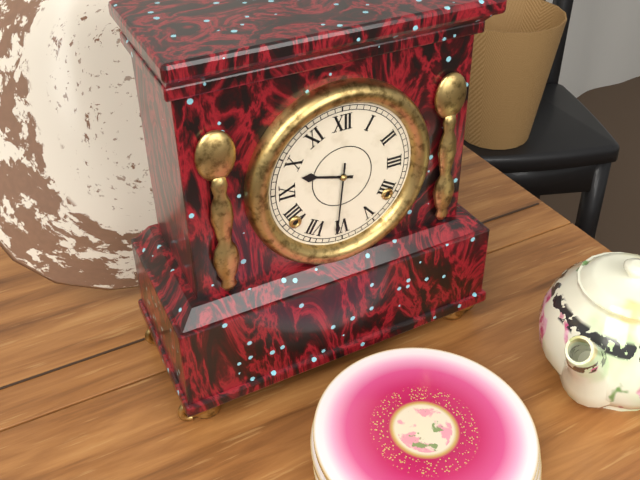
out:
9 h 31 min
